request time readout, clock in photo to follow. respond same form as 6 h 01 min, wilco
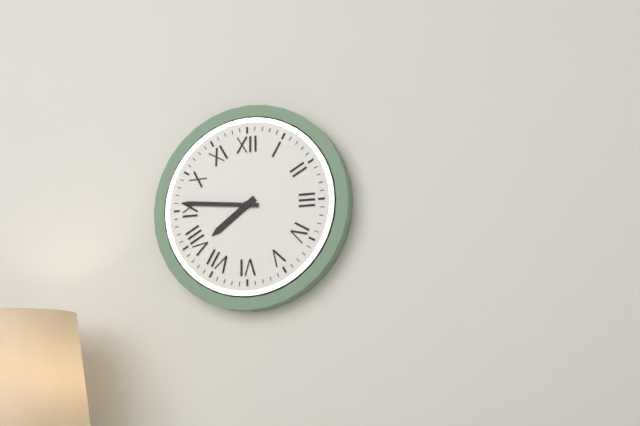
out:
7 h 46 min
